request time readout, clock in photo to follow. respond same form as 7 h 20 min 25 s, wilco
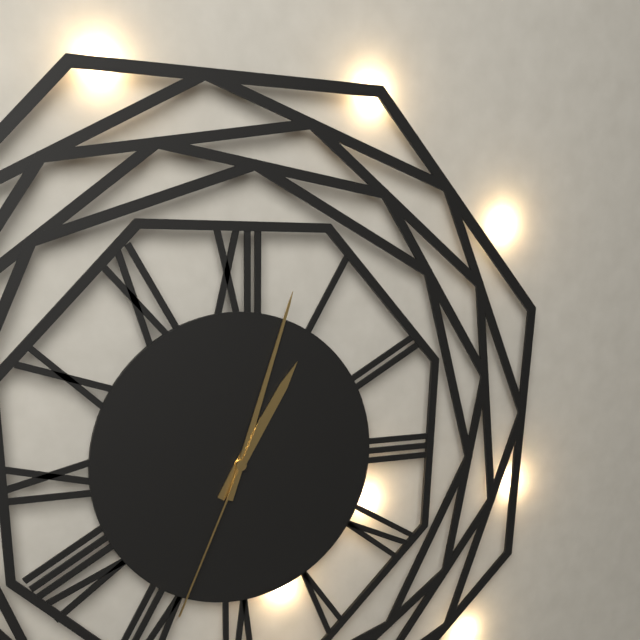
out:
1 h 03 min 34 s
